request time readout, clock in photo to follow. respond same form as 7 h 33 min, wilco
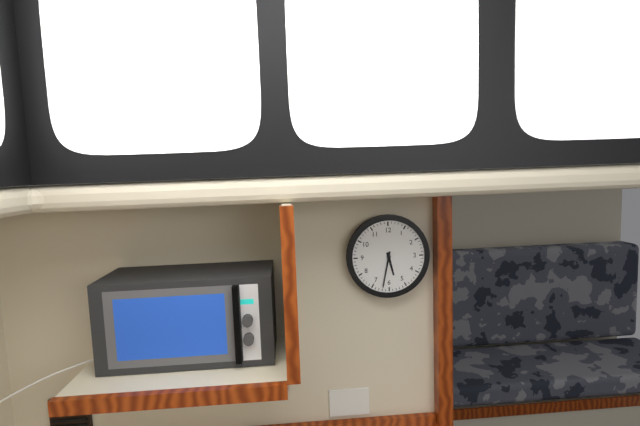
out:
5 h 32 min
